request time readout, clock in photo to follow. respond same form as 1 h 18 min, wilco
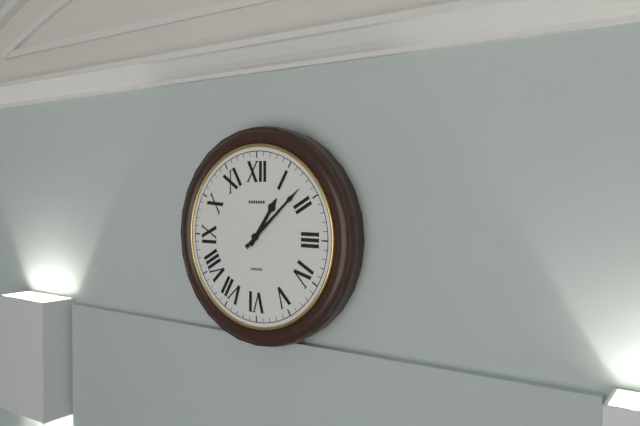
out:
1 h 08 min
